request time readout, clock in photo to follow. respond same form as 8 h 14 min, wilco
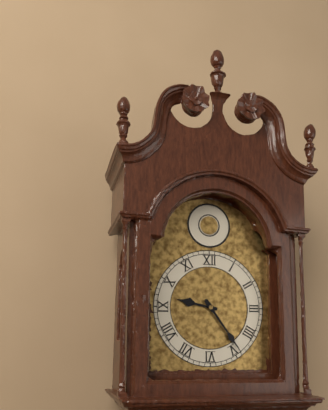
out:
9 h 24 min
